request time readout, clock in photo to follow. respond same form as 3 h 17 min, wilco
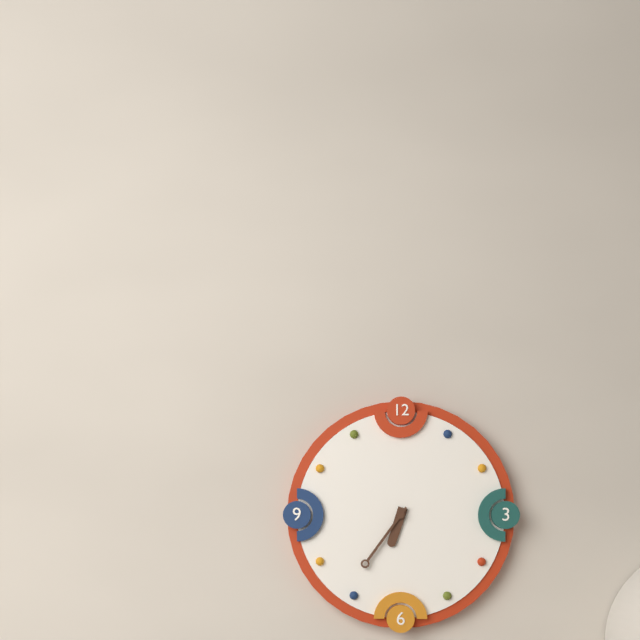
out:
6 h 36 min
